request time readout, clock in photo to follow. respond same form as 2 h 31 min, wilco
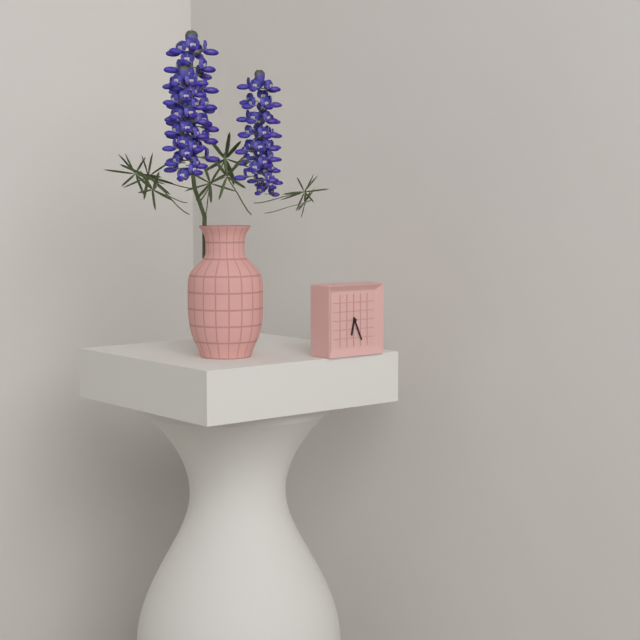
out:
6 h 26 min
